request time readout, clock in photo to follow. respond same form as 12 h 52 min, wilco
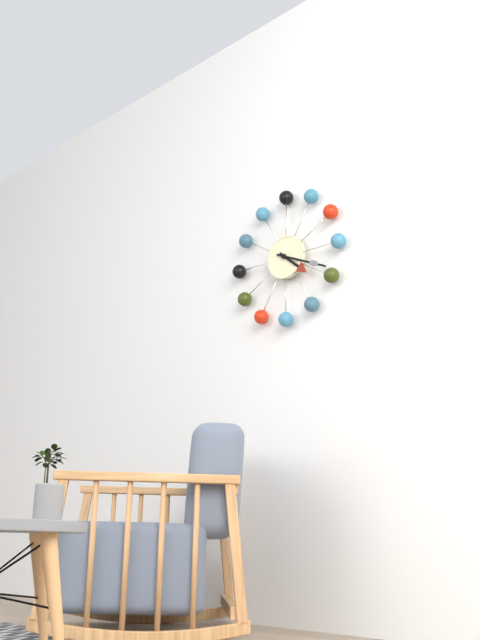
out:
4 h 19 min
